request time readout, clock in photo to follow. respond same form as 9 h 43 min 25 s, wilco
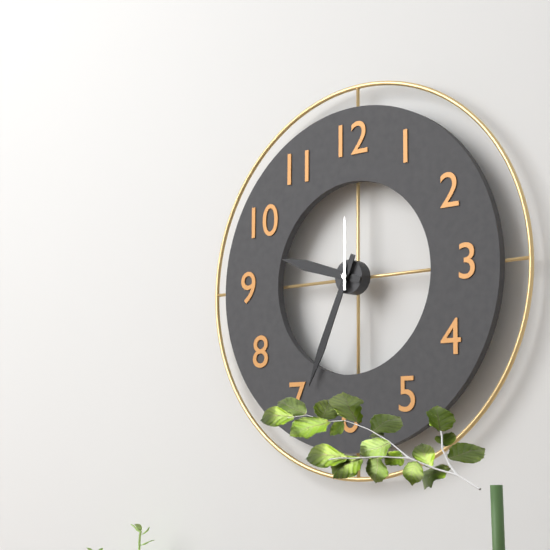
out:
9 h 34 min 00 s
